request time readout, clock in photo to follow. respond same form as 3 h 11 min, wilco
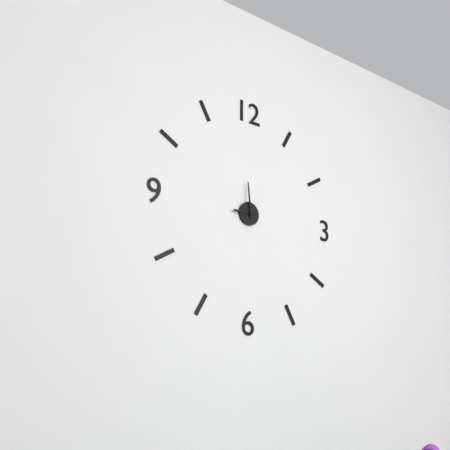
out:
8 h 59 min
